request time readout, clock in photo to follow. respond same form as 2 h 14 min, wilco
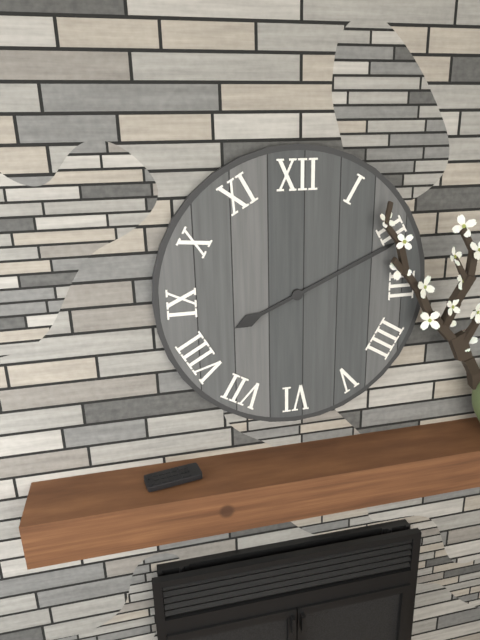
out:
8 h 11 min
